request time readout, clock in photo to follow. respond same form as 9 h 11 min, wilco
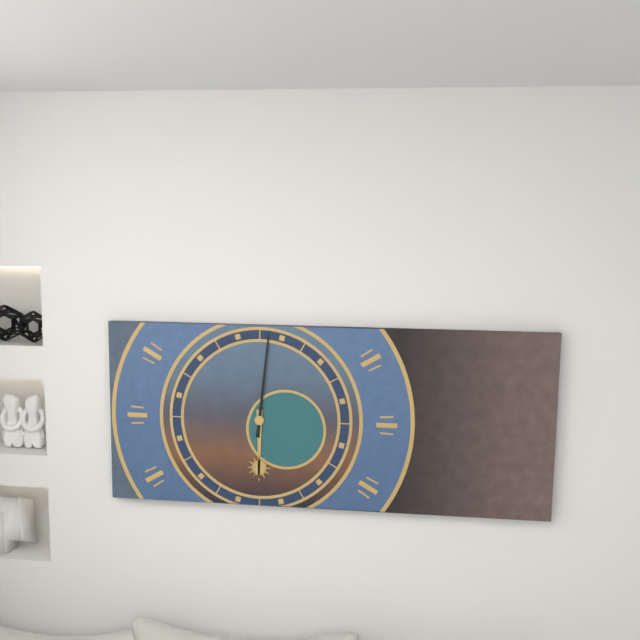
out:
6 h 01 min
